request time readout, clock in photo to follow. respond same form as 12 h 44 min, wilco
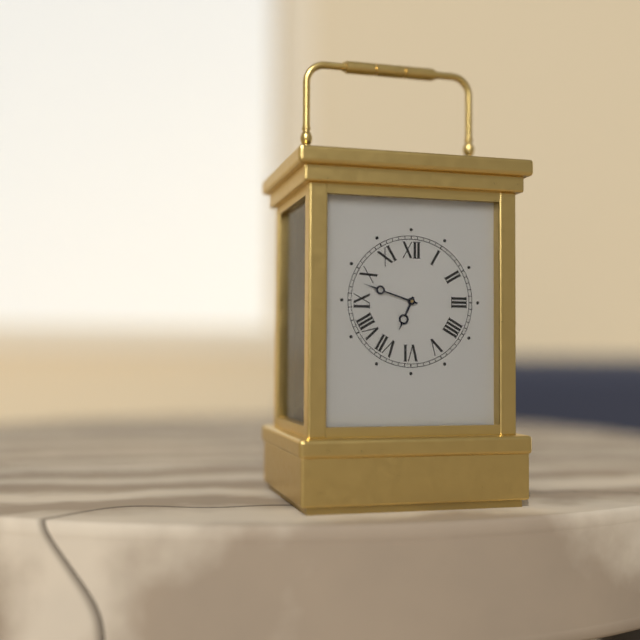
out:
6 h 48 min
